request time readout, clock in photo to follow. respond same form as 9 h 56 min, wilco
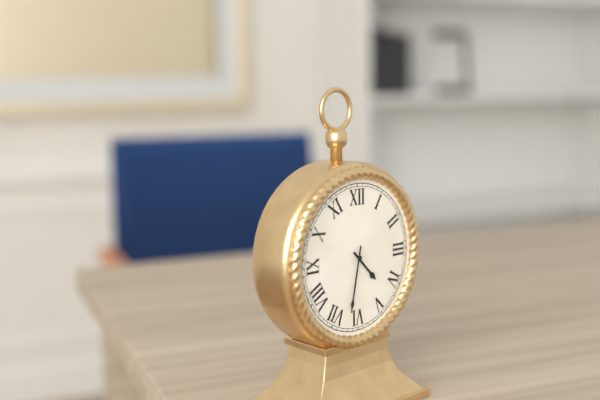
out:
4 h 32 min
